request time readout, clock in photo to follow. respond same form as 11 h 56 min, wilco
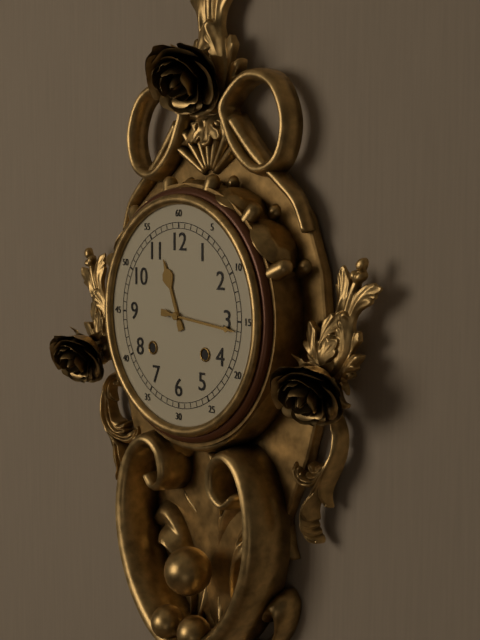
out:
11 h 16 min
